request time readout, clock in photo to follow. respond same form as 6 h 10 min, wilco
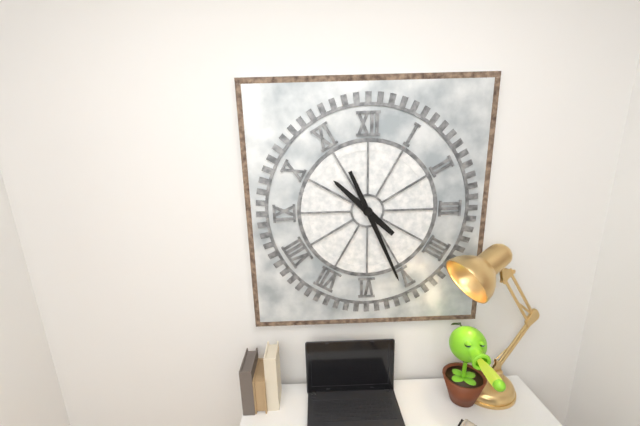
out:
10 h 26 min
